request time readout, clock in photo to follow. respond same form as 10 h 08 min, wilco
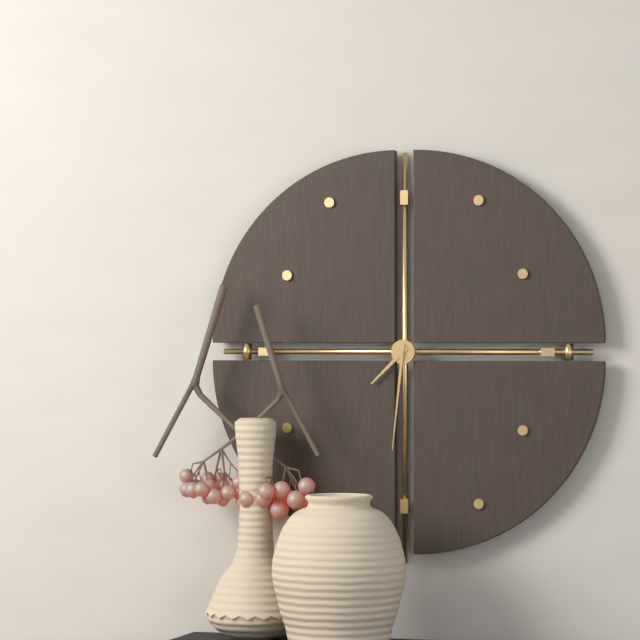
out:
7 h 31 min
